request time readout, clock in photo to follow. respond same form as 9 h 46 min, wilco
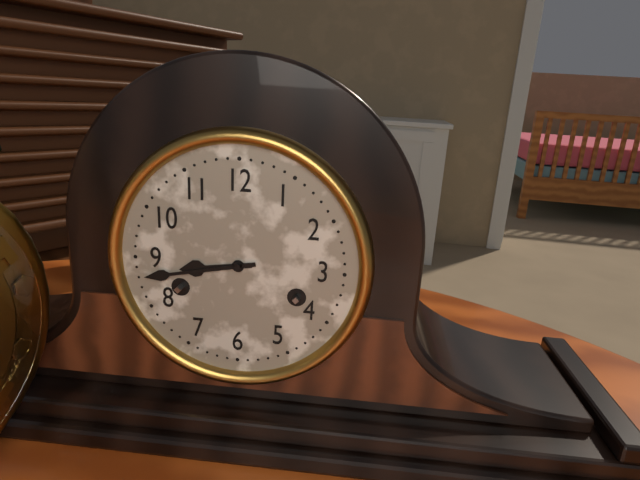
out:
8 h 43 min
